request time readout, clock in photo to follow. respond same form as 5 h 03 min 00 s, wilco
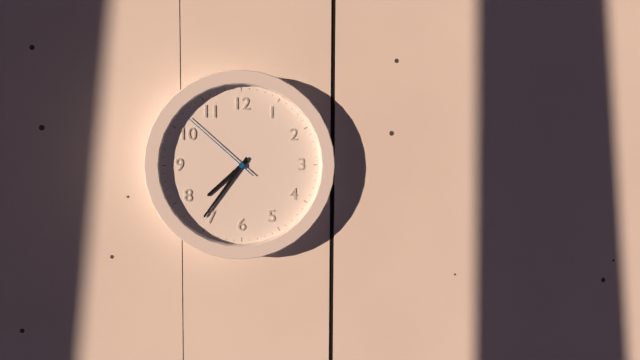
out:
7 h 36 min 52 s
